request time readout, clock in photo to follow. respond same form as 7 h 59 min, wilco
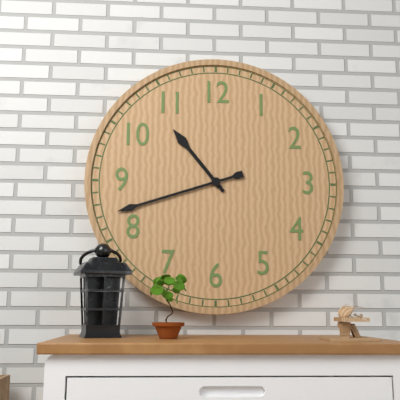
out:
10 h 42 min
